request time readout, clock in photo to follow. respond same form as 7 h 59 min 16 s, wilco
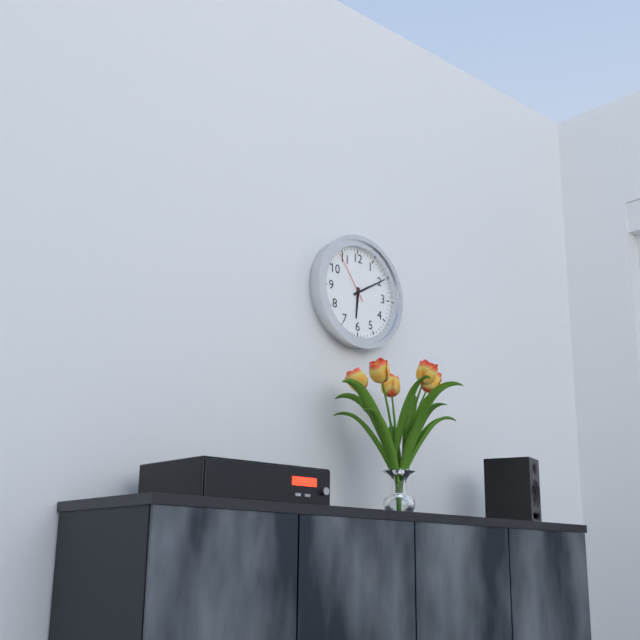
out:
6 h 10 min 54 s
